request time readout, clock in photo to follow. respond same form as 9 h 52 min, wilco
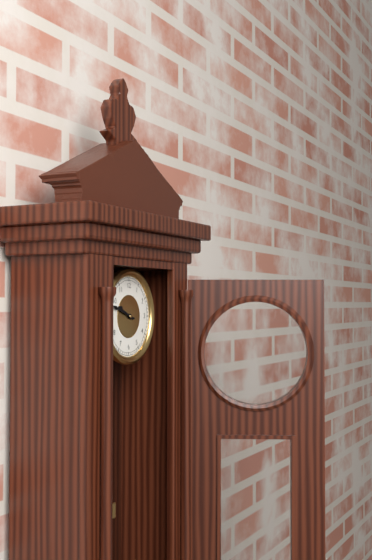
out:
9 h 48 min
